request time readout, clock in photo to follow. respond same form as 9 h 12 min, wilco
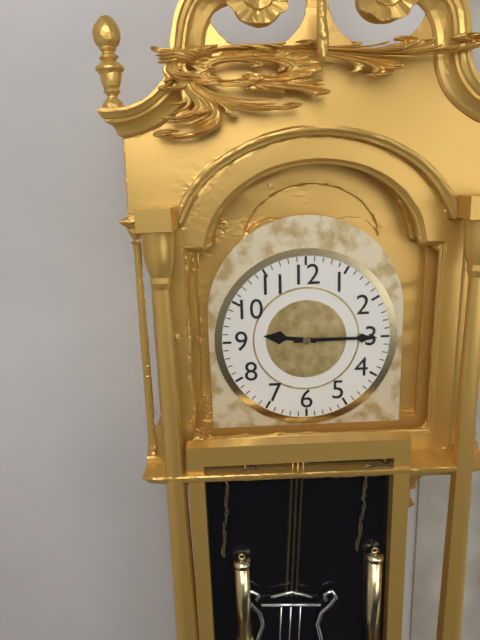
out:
9 h 15 min
